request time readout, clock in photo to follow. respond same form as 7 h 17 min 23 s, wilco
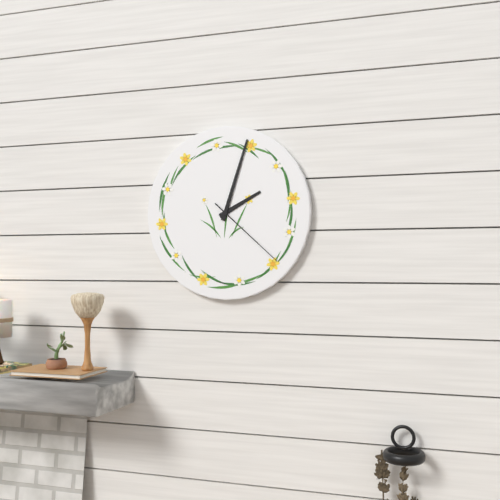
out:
2 h 03 min 22 s
